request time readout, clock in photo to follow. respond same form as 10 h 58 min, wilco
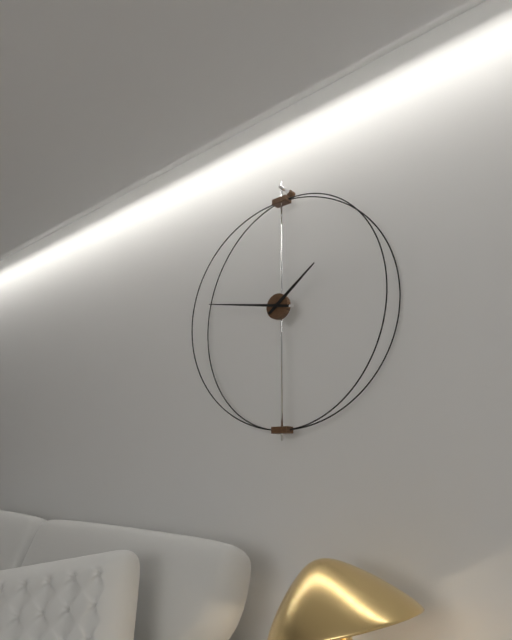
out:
1 h 47 min
